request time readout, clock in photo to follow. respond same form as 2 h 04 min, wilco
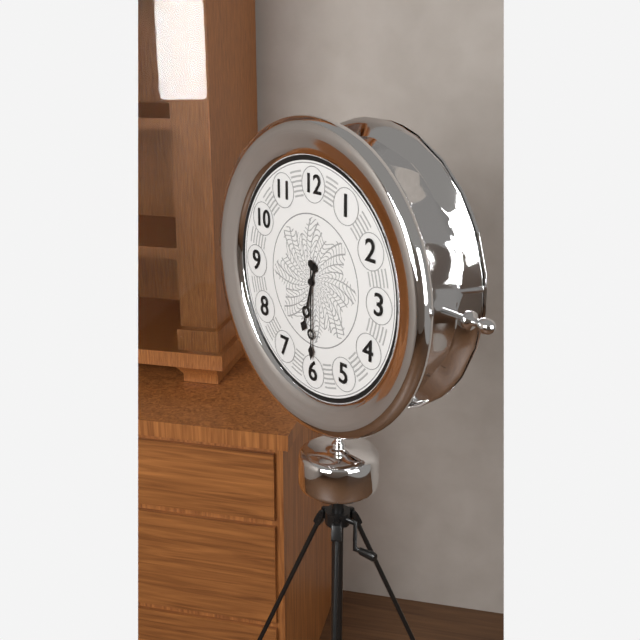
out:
6 h 30 min
